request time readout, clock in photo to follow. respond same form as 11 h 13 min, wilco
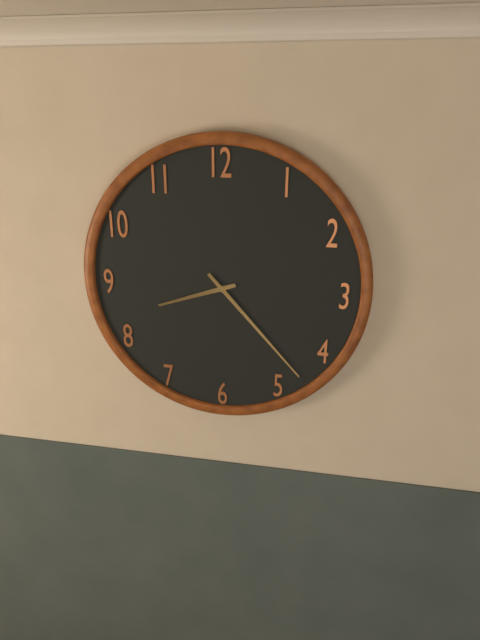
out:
8 h 23 min
